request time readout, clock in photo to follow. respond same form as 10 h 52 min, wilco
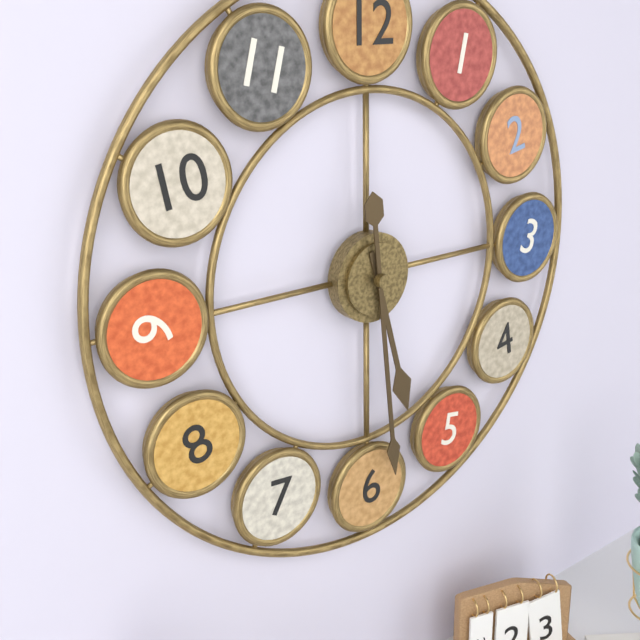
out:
5 h 29 min
